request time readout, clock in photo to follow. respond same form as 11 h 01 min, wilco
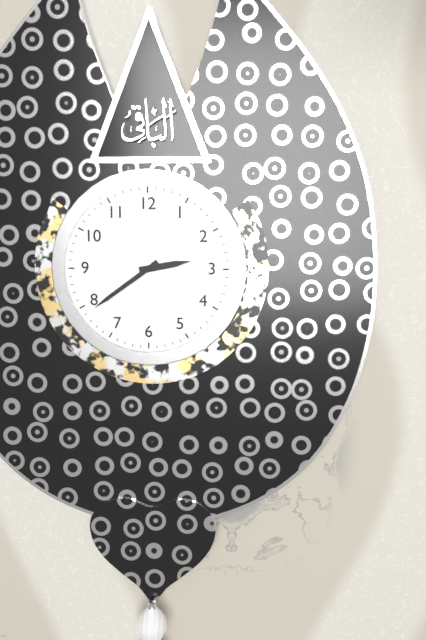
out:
2 h 39 min
